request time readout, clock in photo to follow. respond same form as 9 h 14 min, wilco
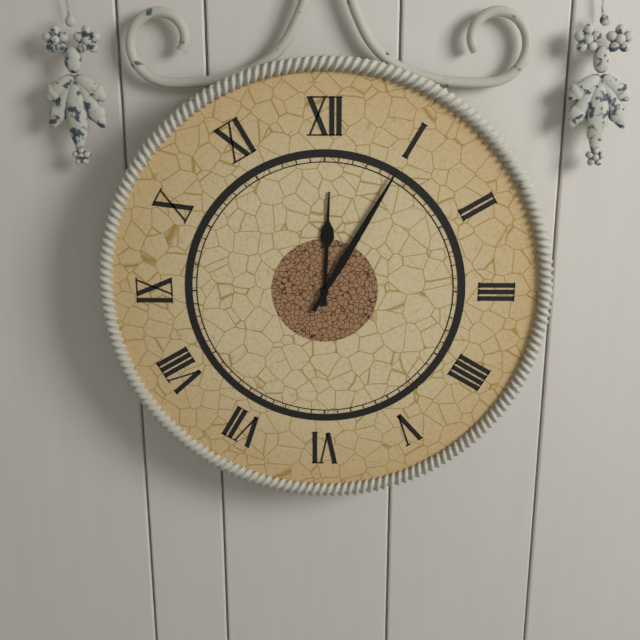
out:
12 h 05 min
